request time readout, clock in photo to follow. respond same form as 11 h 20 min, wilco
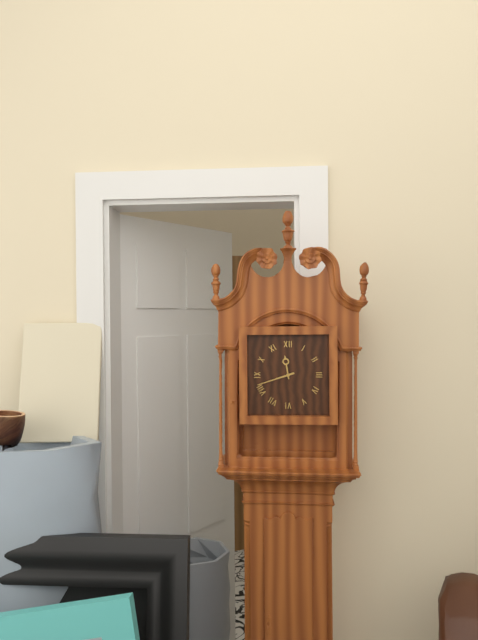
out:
11 h 42 min
